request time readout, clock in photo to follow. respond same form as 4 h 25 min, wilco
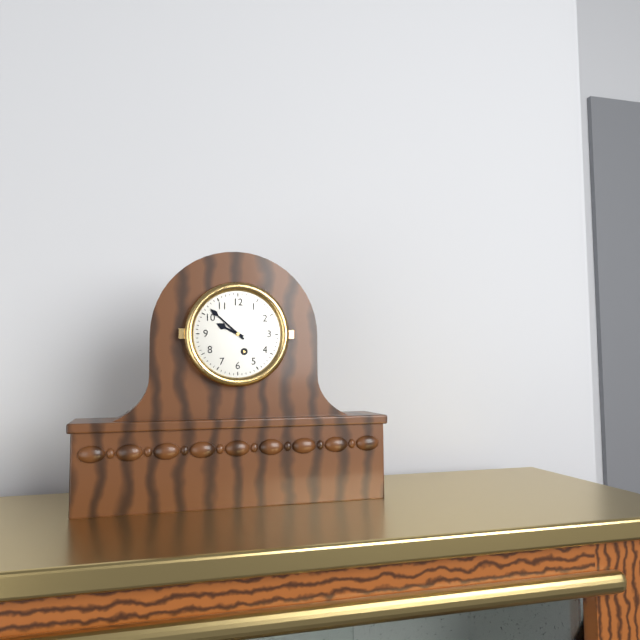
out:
9 h 52 min
